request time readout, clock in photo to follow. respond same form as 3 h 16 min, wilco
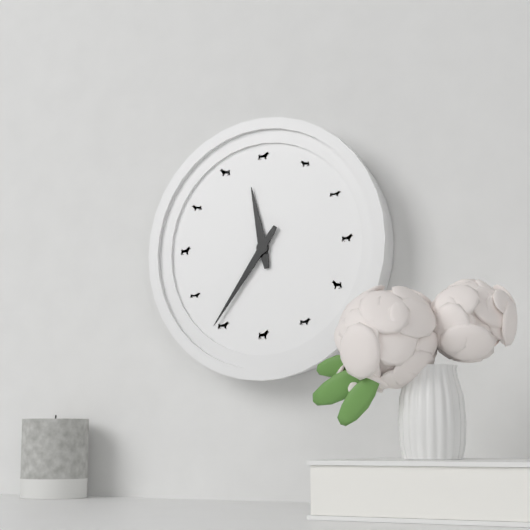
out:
11 h 36 min
